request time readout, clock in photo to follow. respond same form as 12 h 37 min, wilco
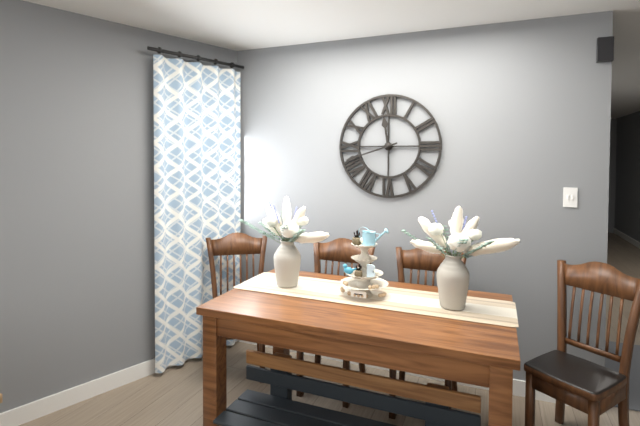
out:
11 h 42 min
